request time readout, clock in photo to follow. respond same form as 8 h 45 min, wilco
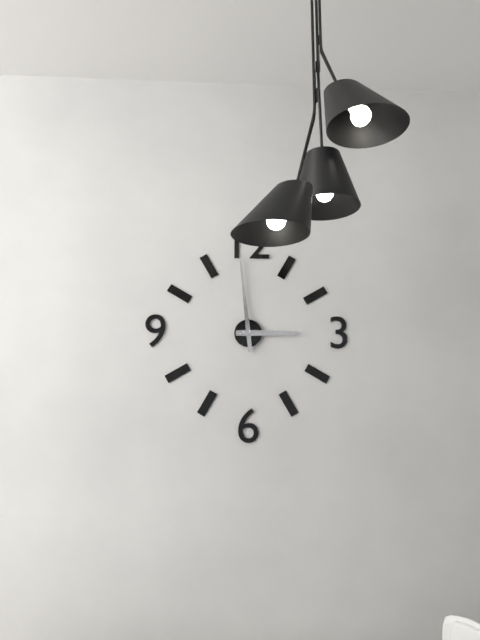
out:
2 h 59 min
